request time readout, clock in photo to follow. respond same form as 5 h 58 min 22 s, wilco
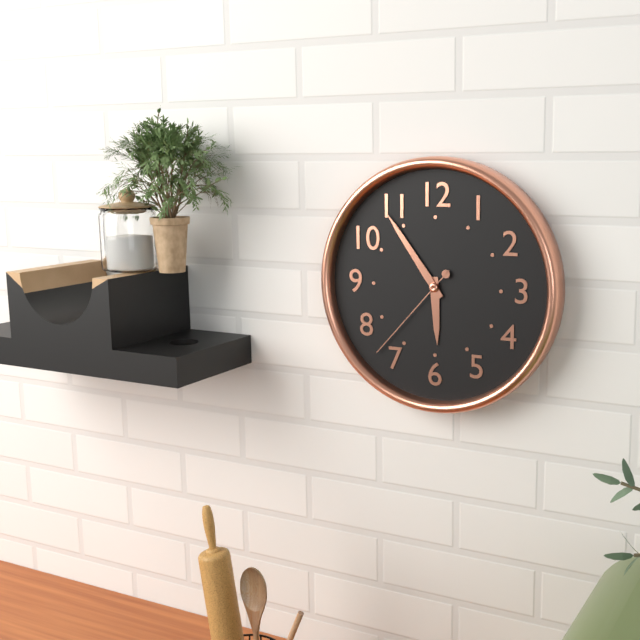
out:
5 h 54 min 37 s
